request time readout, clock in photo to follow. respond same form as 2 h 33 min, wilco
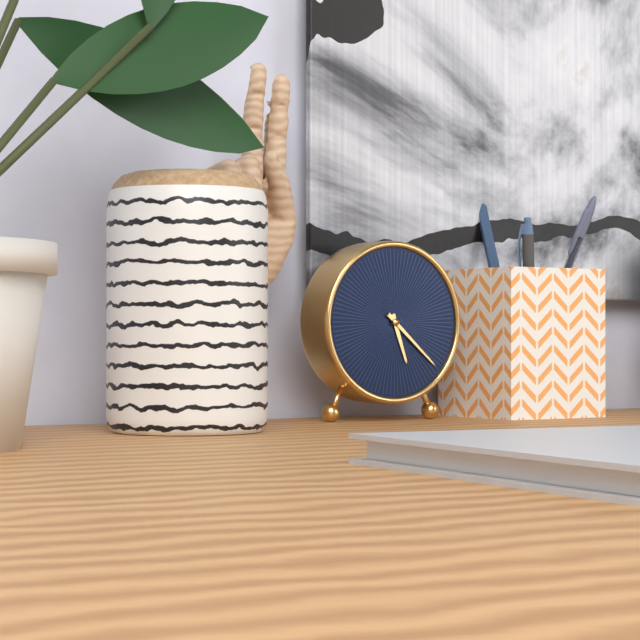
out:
5 h 22 min
